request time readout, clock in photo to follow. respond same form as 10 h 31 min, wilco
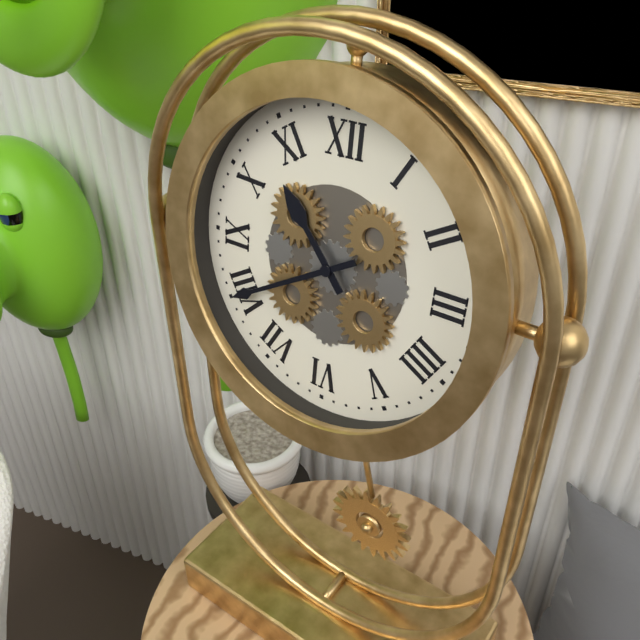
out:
10 h 40 min
